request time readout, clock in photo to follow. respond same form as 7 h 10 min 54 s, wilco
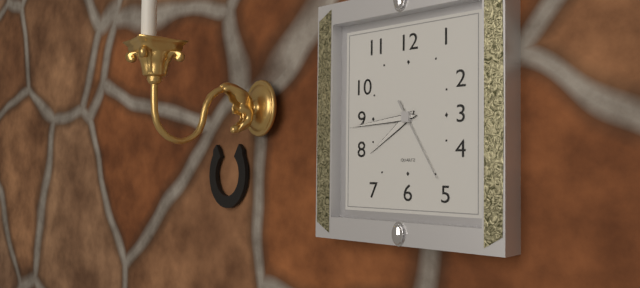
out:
7 h 44 min 25 s
